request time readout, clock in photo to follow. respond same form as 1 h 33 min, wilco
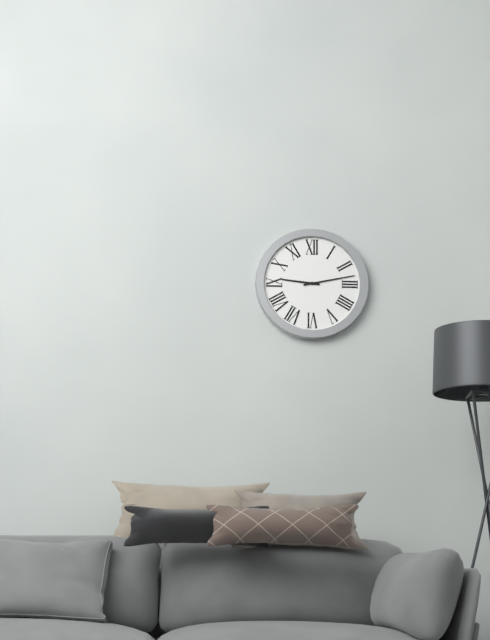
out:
9 h 13 min
